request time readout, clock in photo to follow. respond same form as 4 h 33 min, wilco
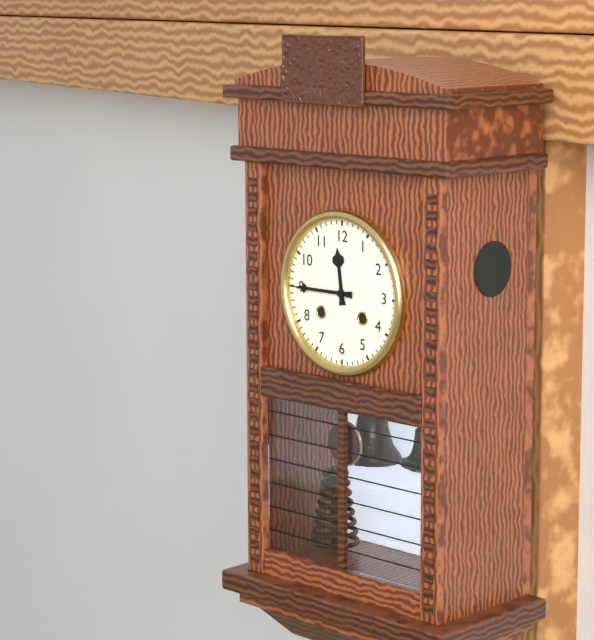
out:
11 h 45 min
